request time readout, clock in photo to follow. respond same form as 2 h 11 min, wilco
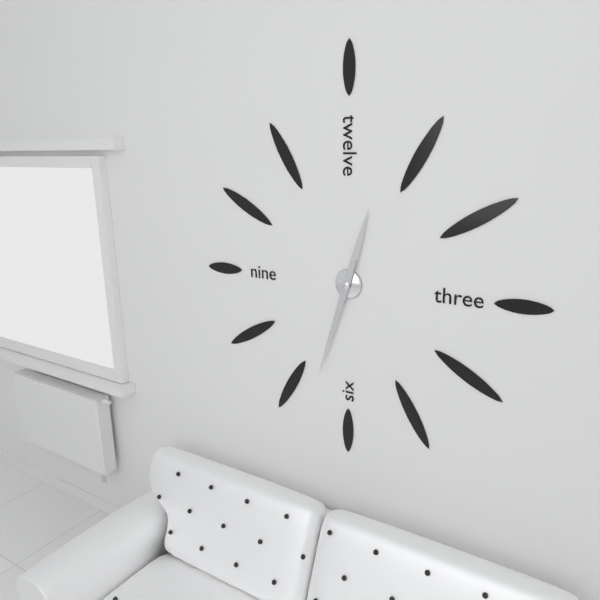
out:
12 h 33 min
